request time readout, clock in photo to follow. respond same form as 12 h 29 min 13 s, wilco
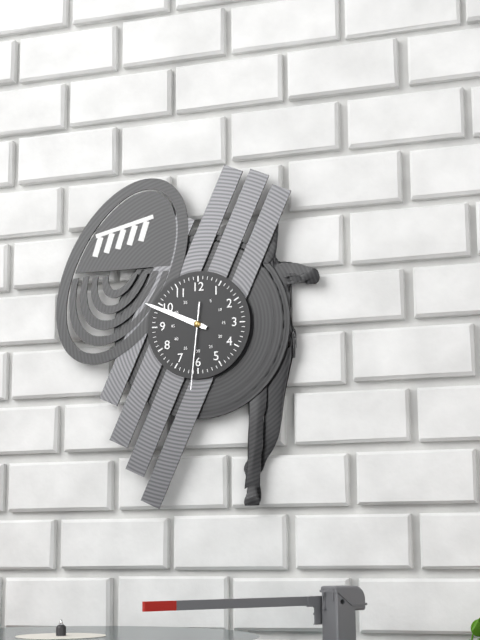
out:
9 h 49 min 31 s
